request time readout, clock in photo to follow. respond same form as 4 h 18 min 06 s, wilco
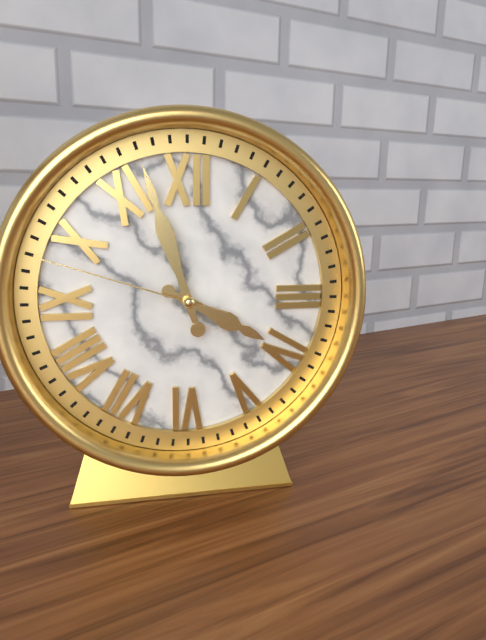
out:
3 h 57 min 48 s
